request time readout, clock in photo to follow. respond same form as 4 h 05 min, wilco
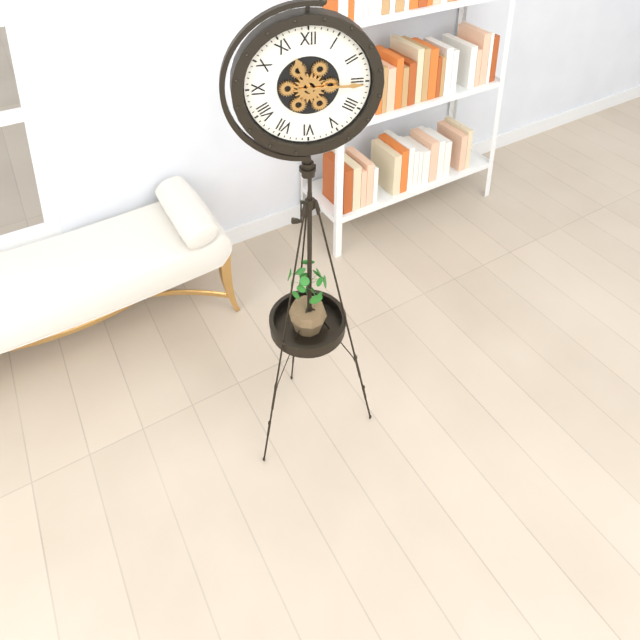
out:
11 h 15 min
